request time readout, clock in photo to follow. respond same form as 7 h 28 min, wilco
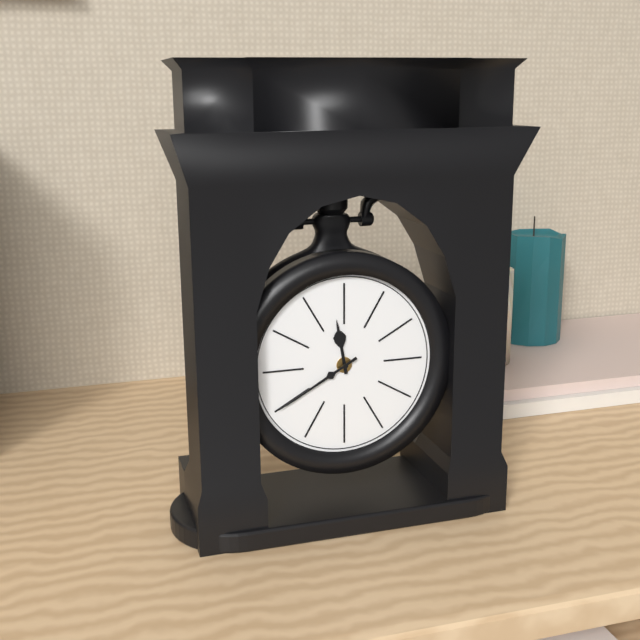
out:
11 h 40 min
